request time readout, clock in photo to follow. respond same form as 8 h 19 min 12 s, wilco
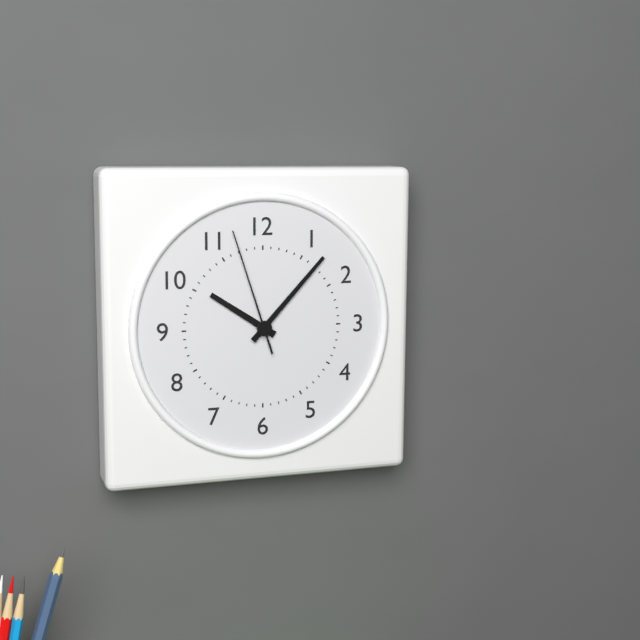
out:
10 h 07 min 57 s
